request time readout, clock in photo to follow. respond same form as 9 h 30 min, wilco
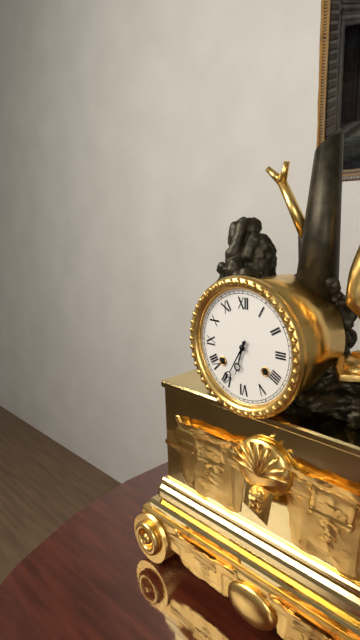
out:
6 h 35 min
